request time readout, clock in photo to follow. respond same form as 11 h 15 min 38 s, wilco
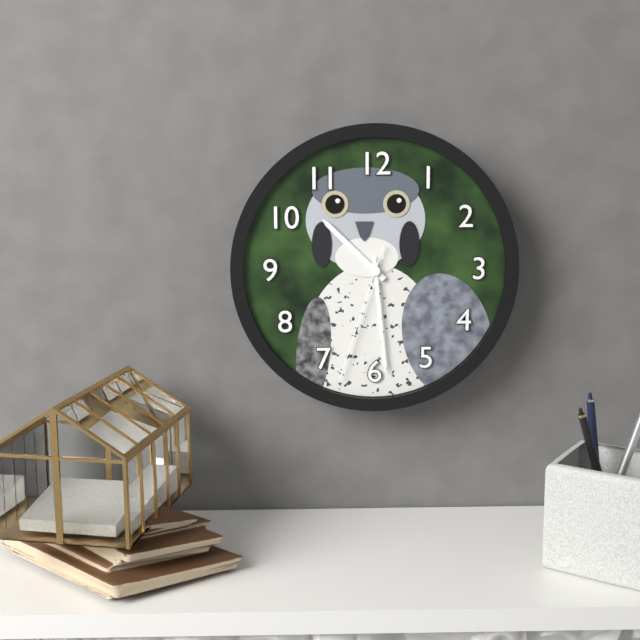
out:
10 h 29 min 33 s
